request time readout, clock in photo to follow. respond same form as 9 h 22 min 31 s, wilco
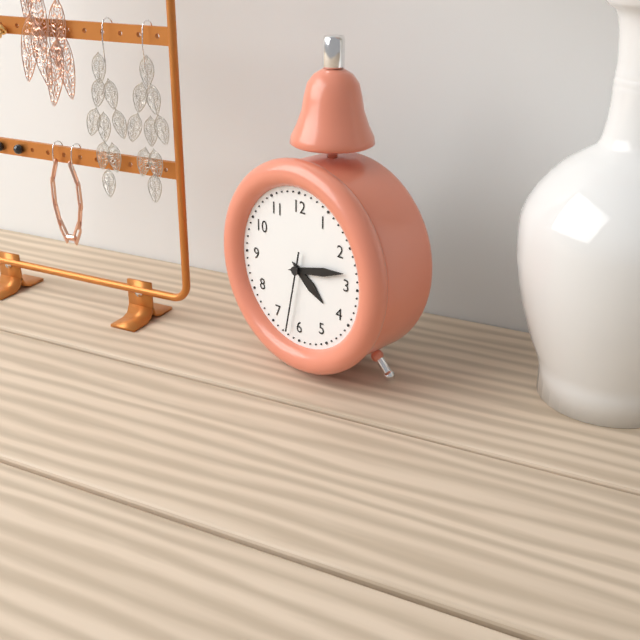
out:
4 h 13 min 32 s
